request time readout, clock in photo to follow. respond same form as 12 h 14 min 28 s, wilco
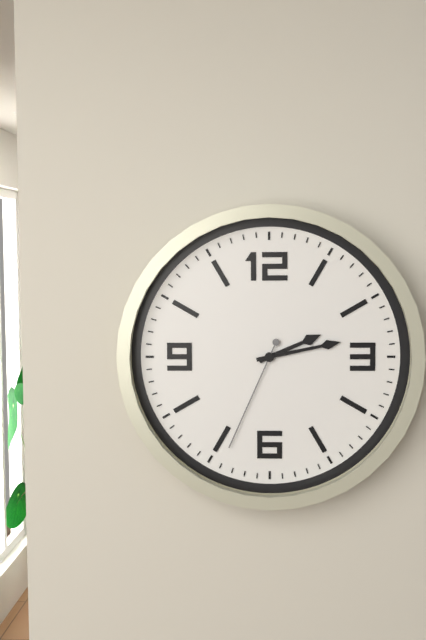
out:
2 h 13 min 34 s
